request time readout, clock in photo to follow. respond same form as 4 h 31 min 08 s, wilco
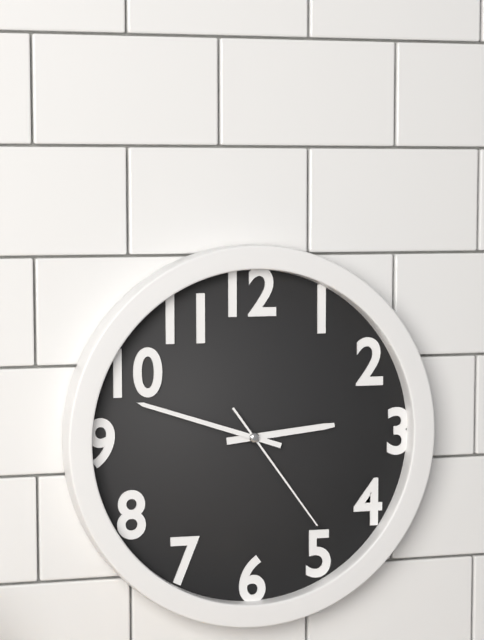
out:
2 h 48 min 24 s
